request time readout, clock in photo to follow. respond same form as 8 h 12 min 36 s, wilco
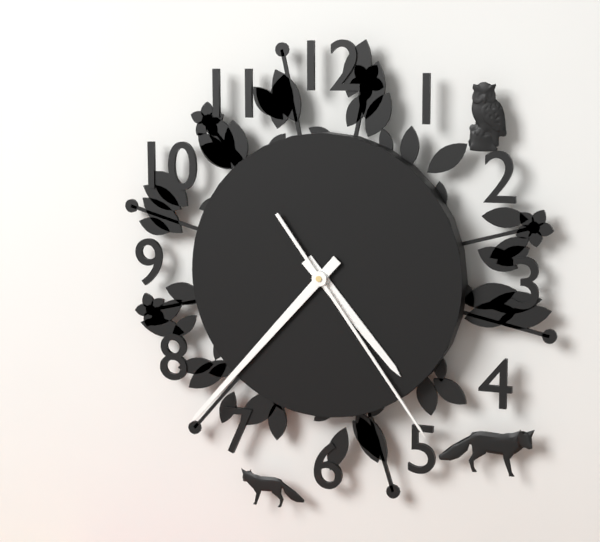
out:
4 h 37 min 24 s
